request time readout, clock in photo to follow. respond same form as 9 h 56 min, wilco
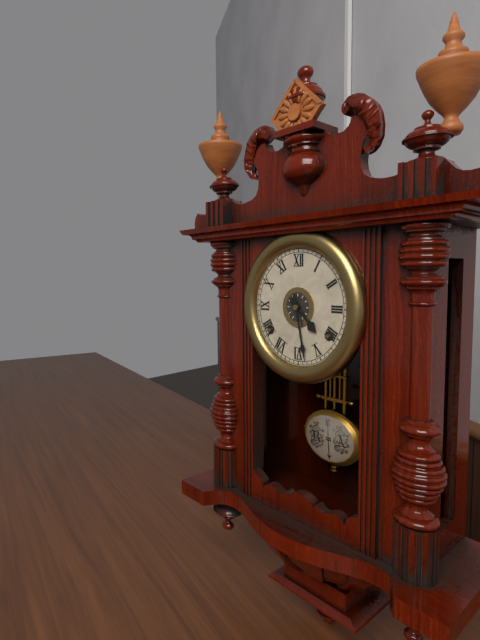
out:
4 h 28 min
